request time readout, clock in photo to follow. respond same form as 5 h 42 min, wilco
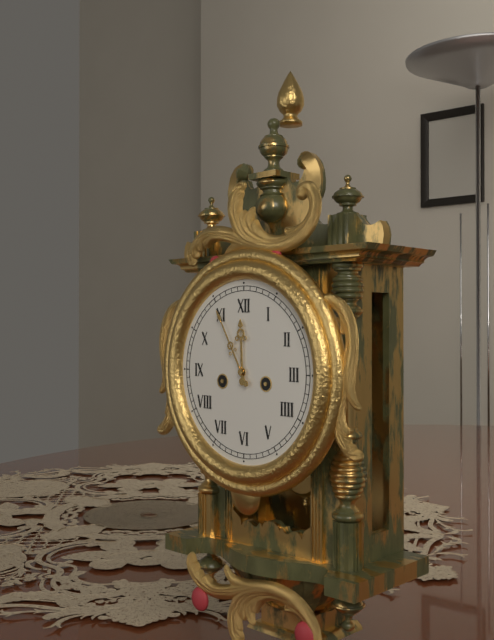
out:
11 h 55 min
